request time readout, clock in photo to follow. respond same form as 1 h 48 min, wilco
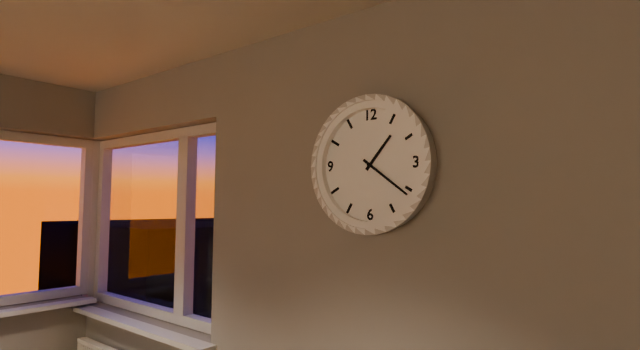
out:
1 h 21 min
